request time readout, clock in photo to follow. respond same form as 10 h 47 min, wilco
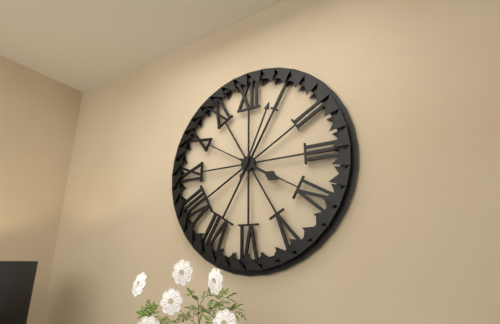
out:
4 h 04 min
